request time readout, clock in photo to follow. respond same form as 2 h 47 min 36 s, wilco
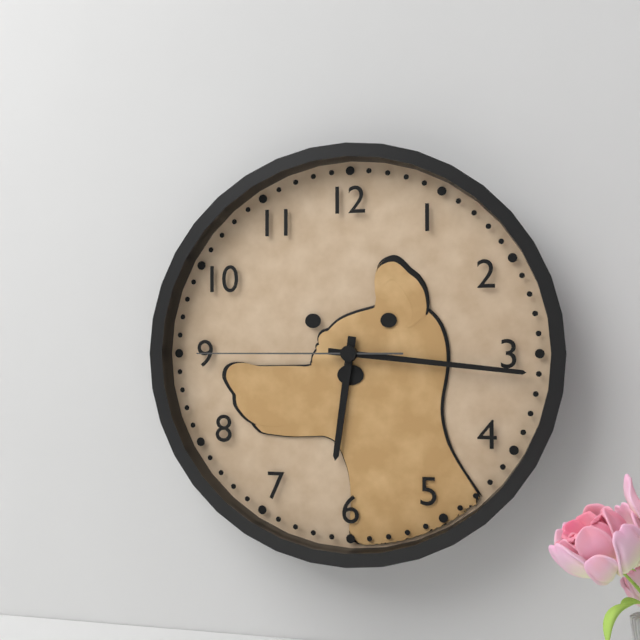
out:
6 h 16 min 45 s
